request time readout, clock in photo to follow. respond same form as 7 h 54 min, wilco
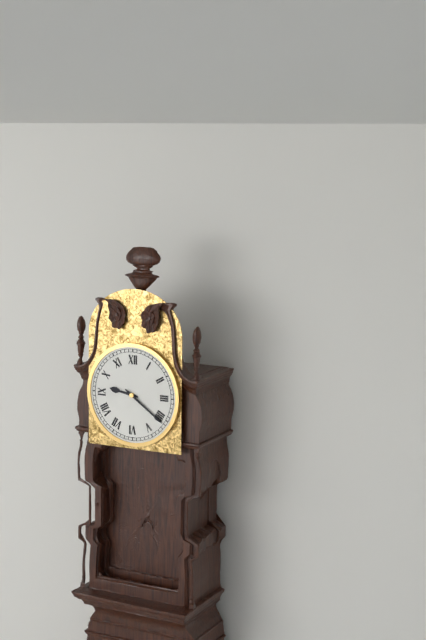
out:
9 h 21 min
